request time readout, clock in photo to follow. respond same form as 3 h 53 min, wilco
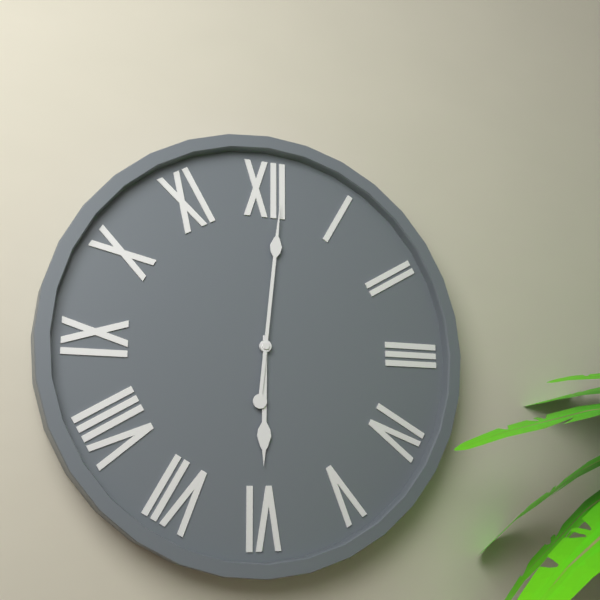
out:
6 h 01 min
